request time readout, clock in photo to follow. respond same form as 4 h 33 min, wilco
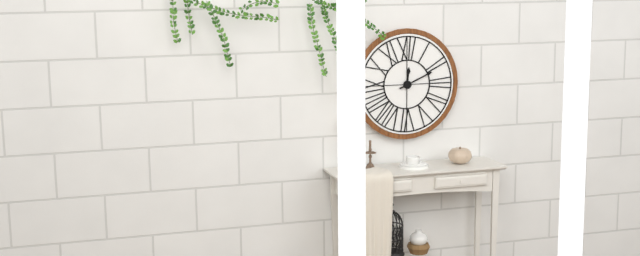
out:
12 h 11 min
